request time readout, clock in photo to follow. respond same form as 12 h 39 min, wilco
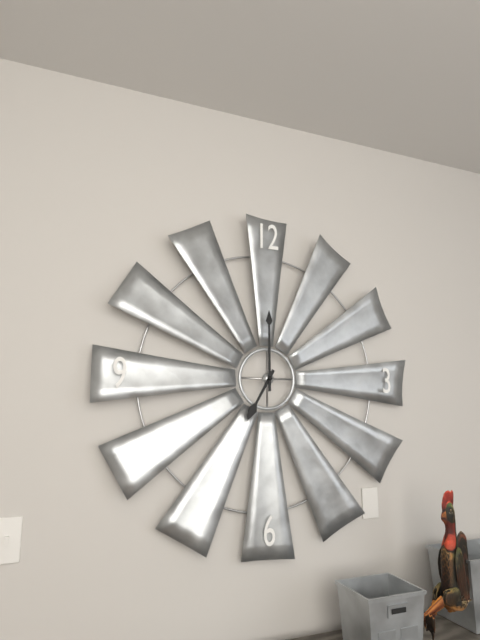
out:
7 h 00 min
